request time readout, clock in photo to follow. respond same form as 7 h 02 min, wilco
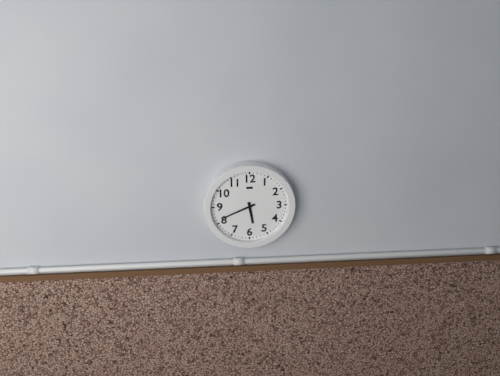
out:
5 h 41 min
